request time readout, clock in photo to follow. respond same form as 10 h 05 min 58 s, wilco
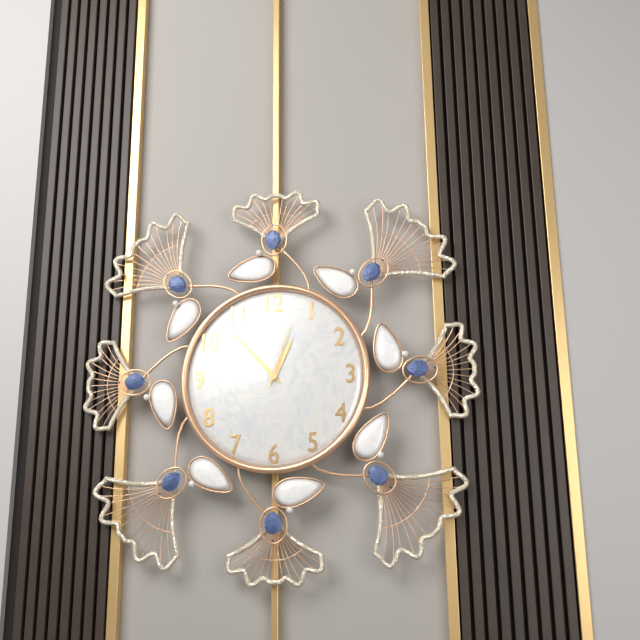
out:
12 h 53 min 03 s
